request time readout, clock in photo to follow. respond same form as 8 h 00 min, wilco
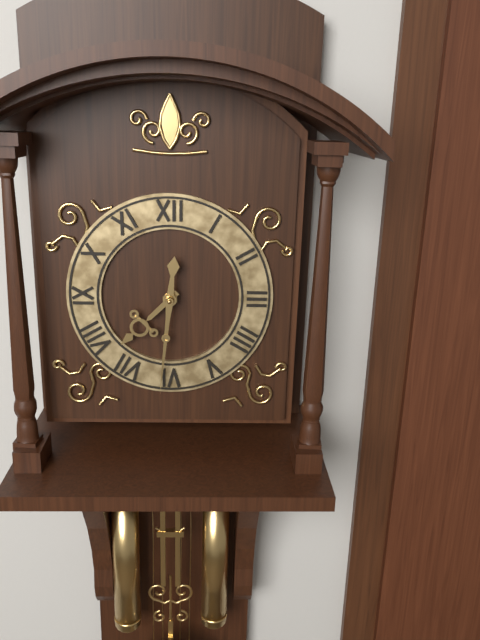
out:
7 h 31 min
